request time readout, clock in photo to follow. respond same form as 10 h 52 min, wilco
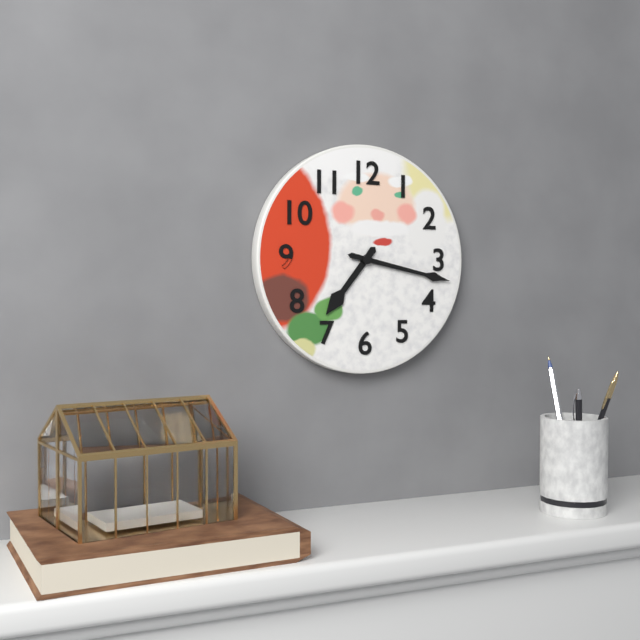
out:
7 h 17 min
